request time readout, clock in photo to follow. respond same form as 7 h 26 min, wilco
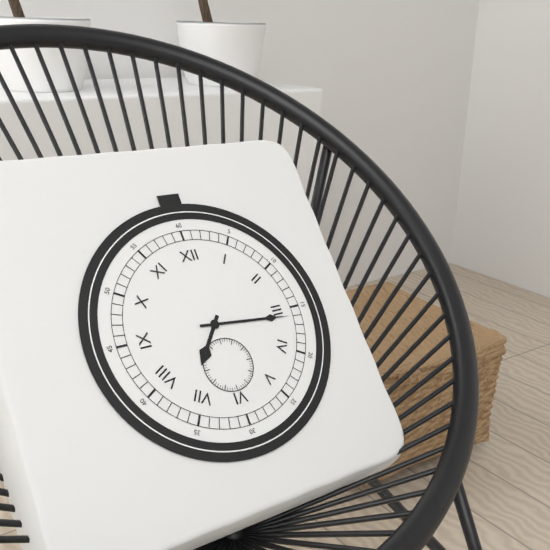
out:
7 h 16 min
